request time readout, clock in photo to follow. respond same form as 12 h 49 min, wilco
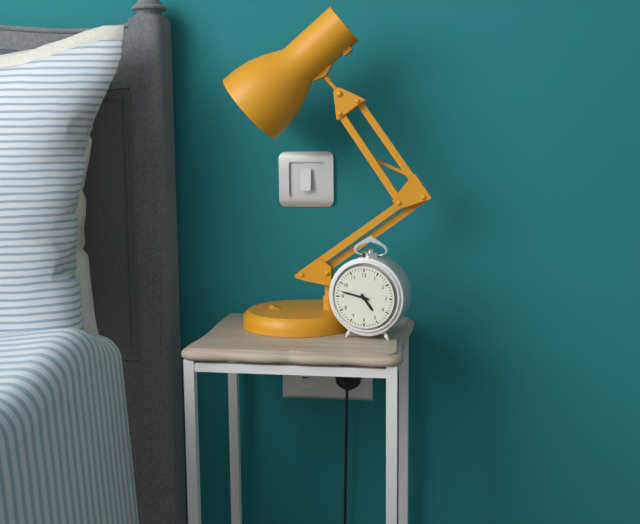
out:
4 h 47 min
